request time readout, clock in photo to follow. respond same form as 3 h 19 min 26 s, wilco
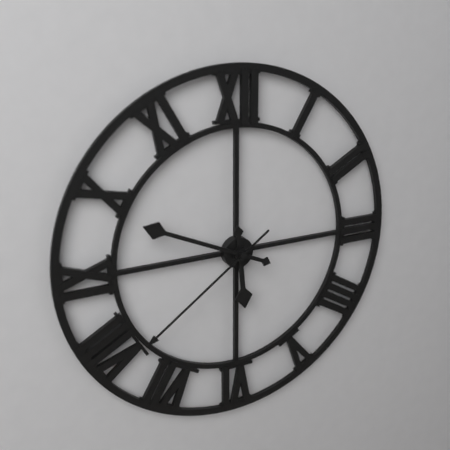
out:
5 h 49 min 39 s
